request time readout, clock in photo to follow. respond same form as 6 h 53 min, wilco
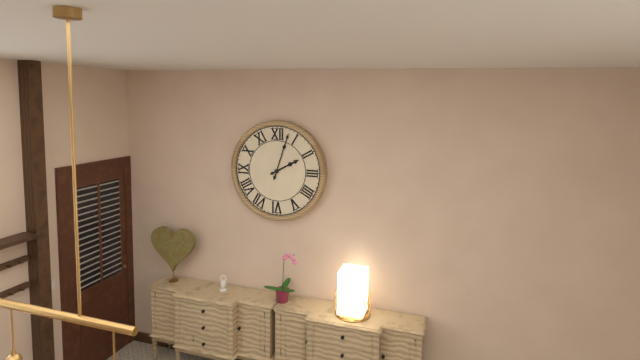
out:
2 h 03 min
